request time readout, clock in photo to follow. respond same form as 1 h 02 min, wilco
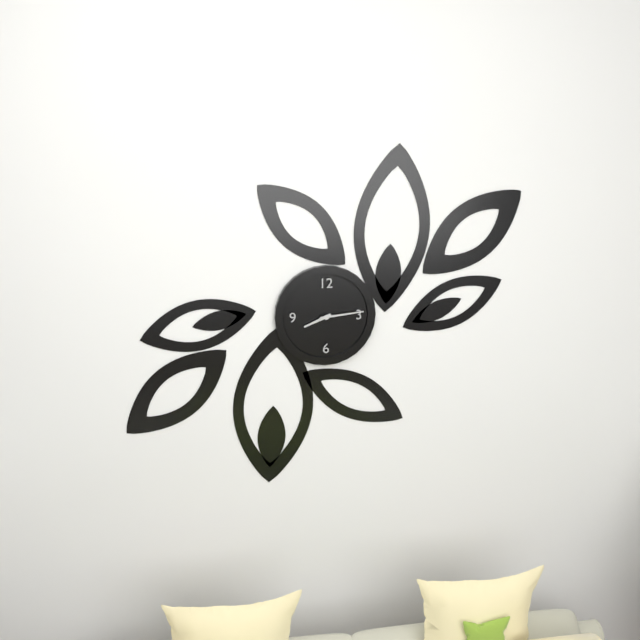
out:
8 h 14 min
